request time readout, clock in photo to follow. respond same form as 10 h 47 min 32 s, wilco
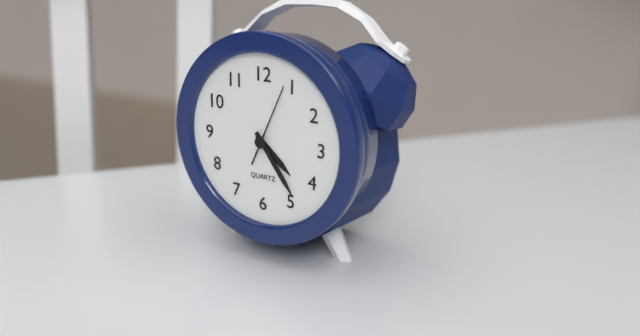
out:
4 h 24 min 04 s
